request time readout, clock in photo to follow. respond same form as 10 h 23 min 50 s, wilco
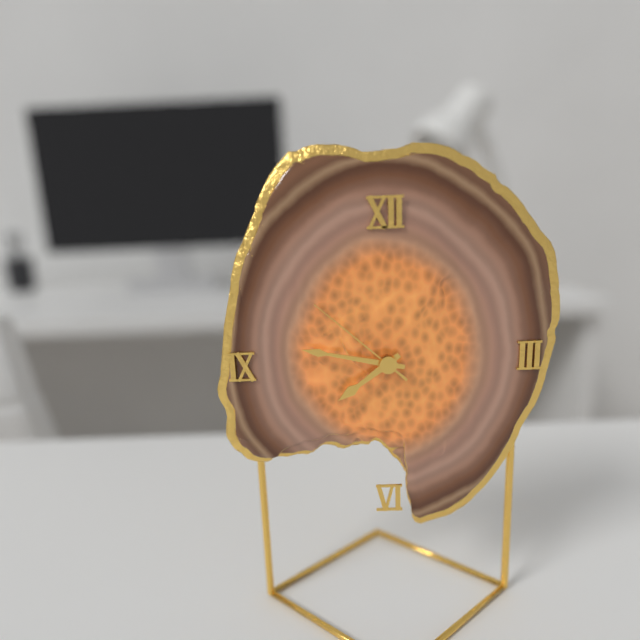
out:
7 h 47 min 52 s
